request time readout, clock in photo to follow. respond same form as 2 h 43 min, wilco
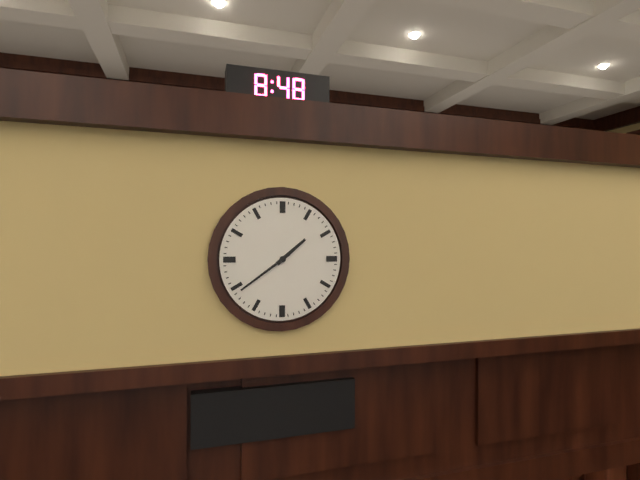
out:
1 h 39 min
